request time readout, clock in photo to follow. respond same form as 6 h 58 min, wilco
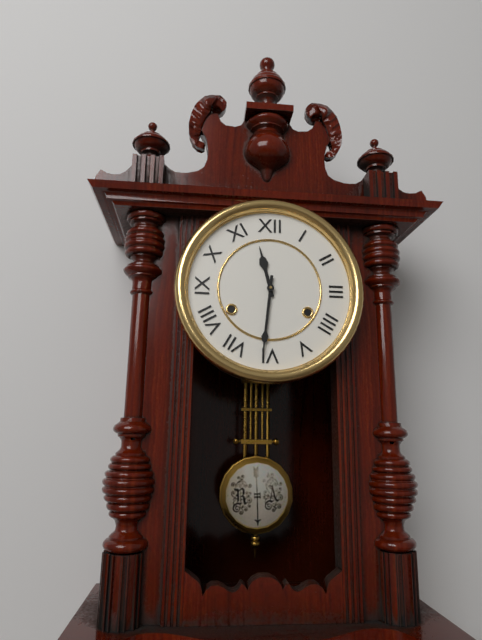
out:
11 h 31 min
